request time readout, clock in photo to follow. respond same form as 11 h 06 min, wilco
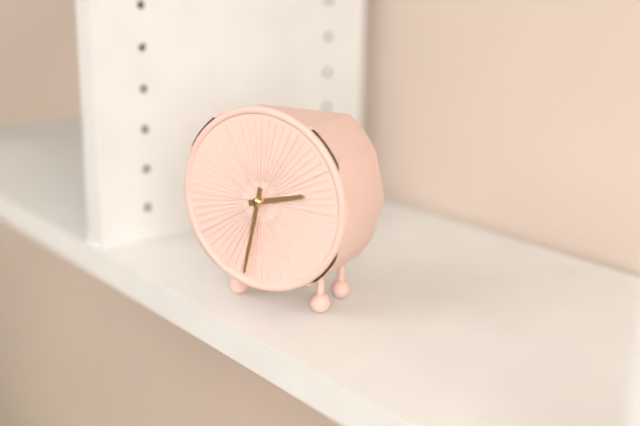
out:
2 h 32 min
